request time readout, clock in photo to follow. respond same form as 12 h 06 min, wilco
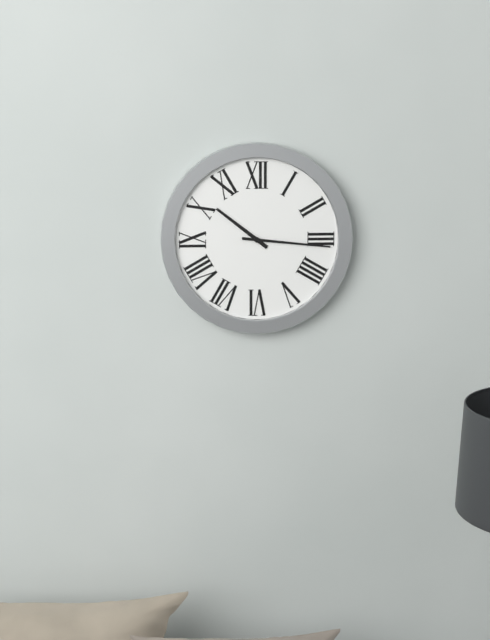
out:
10 h 16 min
